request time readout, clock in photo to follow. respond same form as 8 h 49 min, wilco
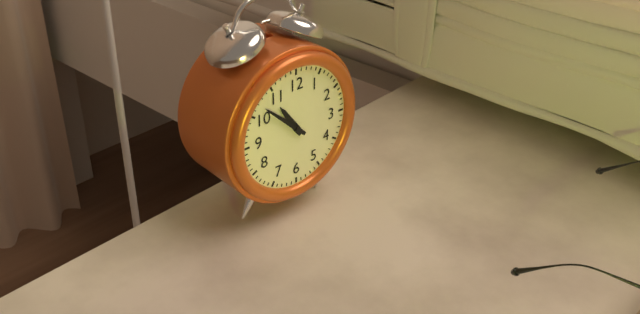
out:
10 h 52 min
